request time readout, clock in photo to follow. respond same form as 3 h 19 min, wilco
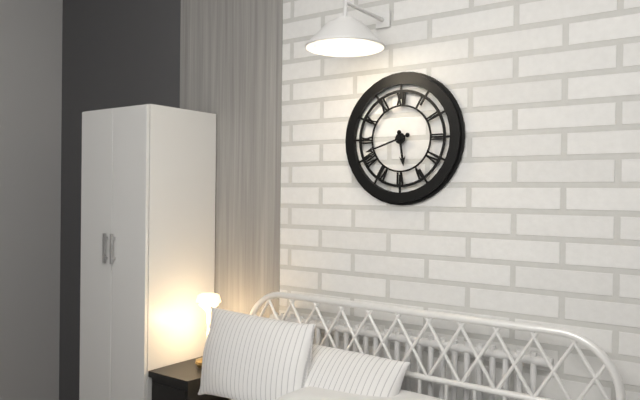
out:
5 h 42 min
